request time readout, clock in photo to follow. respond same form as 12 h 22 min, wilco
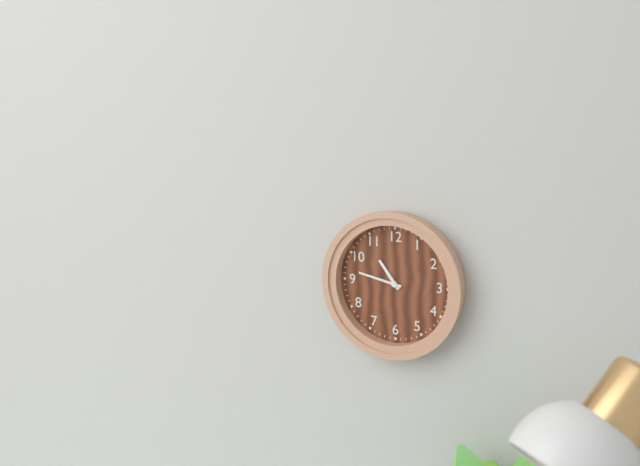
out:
10 h 47 min
